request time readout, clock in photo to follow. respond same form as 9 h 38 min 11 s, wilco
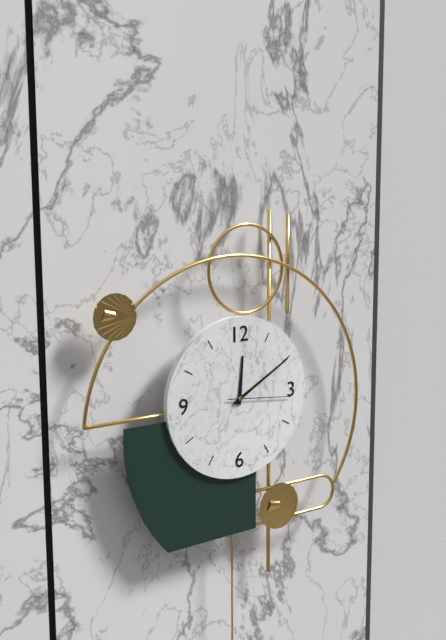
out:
12 h 10 min 16 s
